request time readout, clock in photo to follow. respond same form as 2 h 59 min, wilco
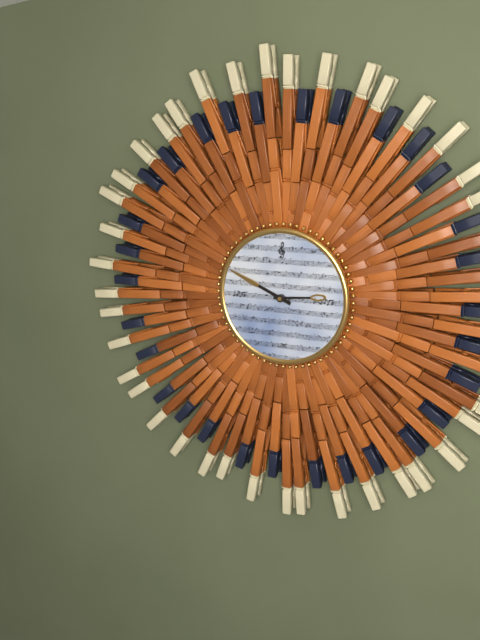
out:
2 h 49 min
